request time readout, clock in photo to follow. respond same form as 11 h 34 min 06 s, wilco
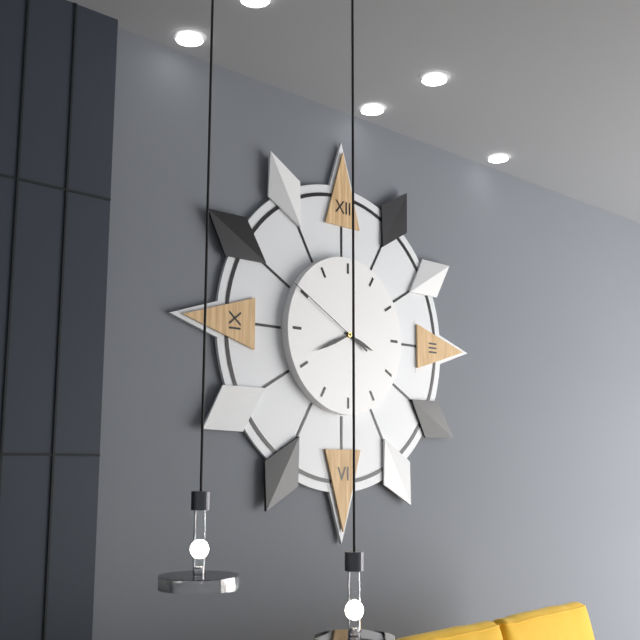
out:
3 h 41 min 50 s
